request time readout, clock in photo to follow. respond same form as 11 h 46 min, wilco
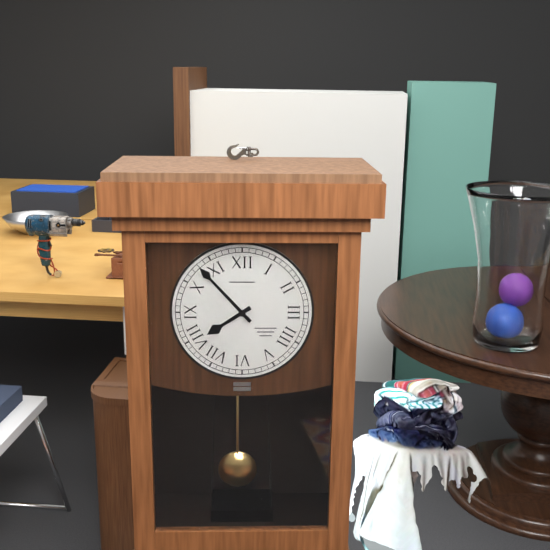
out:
7 h 53 min
